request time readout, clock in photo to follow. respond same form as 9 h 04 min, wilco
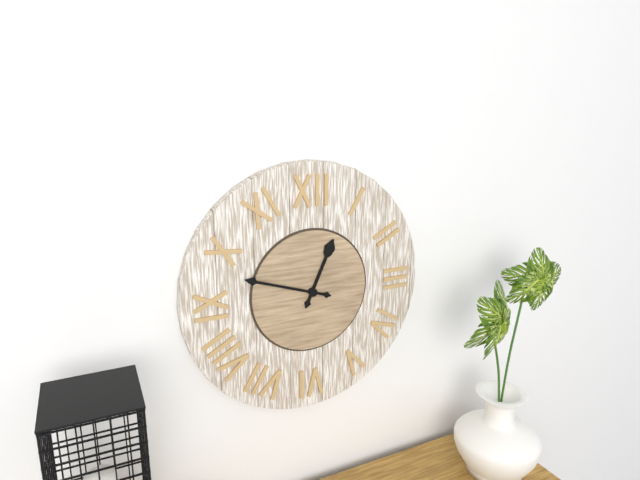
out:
12 h 48 min
